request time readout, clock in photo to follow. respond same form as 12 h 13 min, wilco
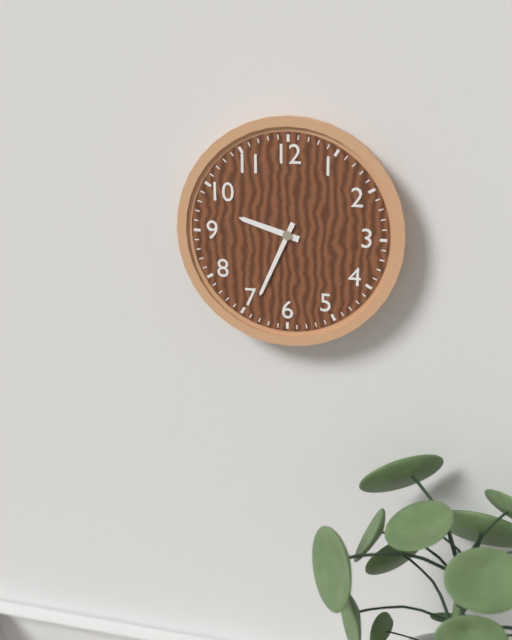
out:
9 h 34 min
